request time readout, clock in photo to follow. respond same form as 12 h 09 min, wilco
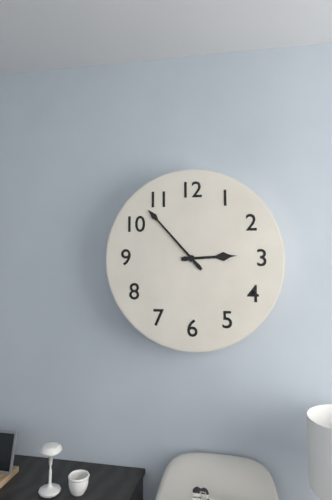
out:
2 h 53 min
